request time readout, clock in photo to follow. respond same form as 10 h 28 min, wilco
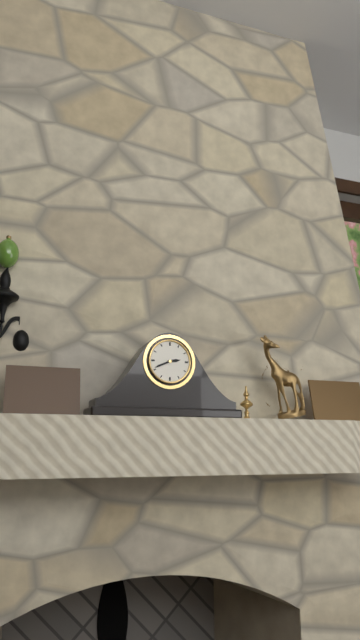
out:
2 h 41 min
